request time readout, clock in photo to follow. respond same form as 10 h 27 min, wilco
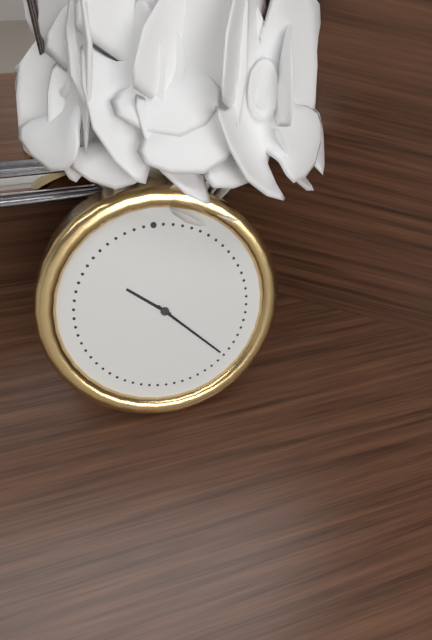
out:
10 h 23 min
